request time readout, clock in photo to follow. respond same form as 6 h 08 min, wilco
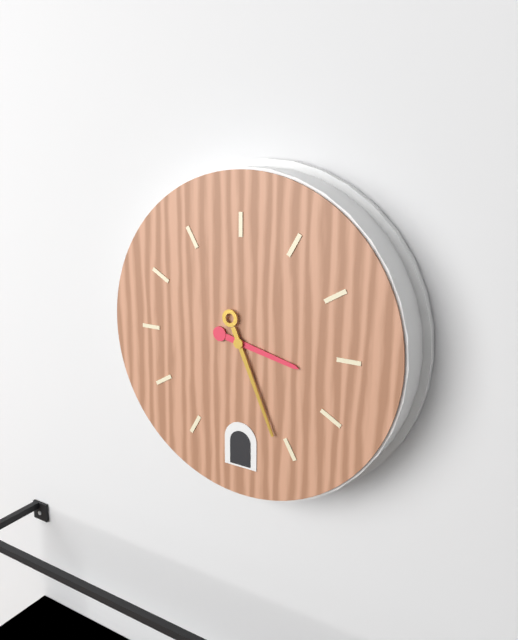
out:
3 h 26 min
